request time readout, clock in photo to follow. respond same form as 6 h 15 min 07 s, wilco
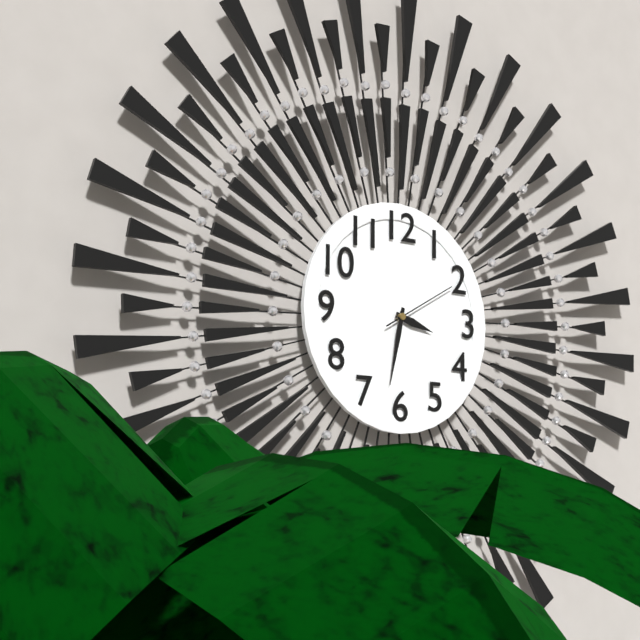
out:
3 h 32 min 10 s
